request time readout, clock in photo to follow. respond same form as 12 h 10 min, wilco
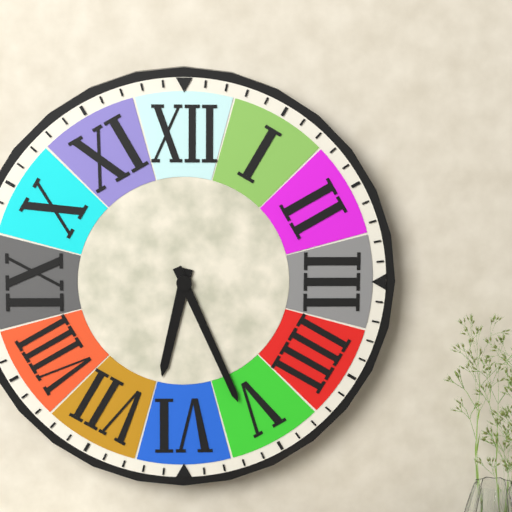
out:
6 h 26 min
